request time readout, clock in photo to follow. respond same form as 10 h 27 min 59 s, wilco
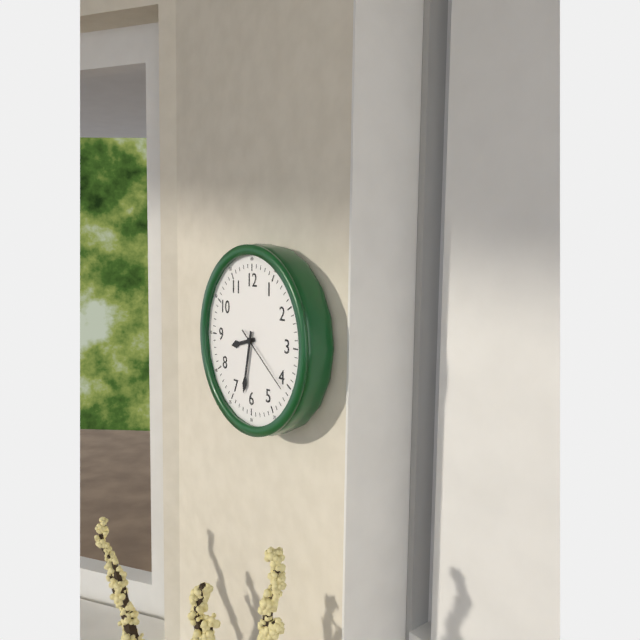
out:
8 h 32 min 21 s
